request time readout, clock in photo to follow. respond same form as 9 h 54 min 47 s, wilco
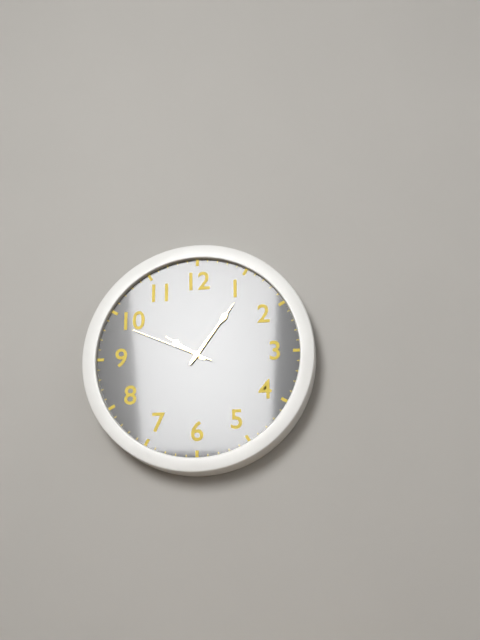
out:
10 h 06 min 49 s
